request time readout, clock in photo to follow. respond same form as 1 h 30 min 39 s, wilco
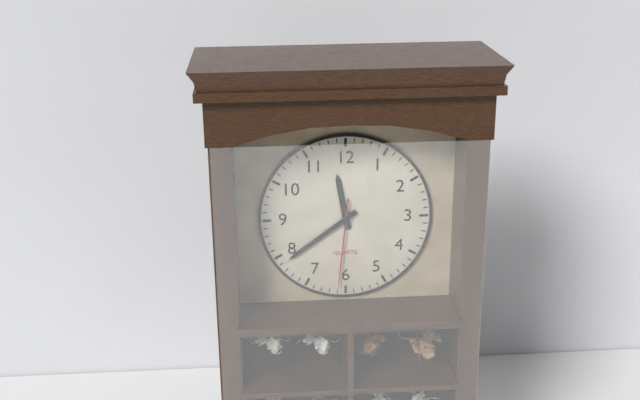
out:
11 h 39 min 31 s
